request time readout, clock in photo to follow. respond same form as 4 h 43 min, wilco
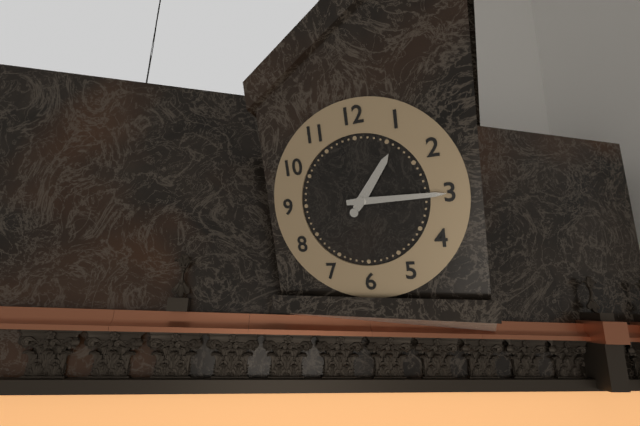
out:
1 h 15 min
